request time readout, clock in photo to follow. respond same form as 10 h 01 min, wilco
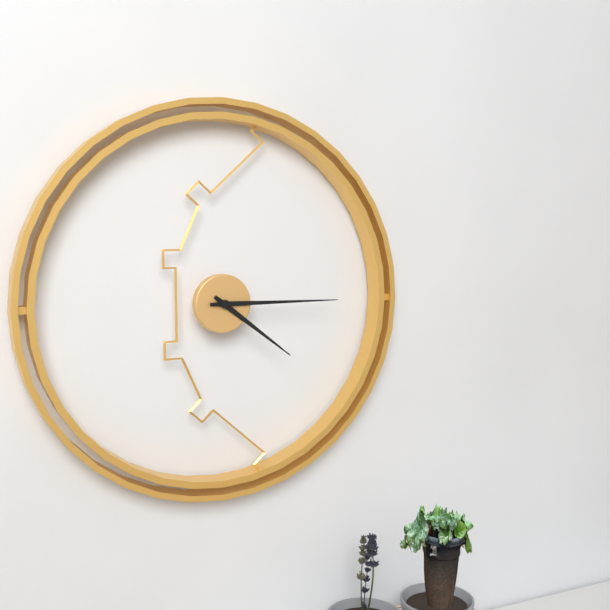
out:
4 h 15 min
